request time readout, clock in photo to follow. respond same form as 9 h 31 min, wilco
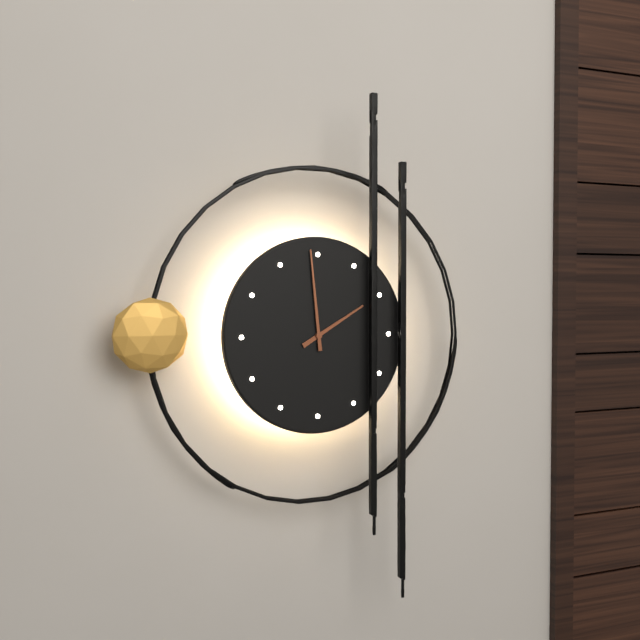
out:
1 h 59 min
